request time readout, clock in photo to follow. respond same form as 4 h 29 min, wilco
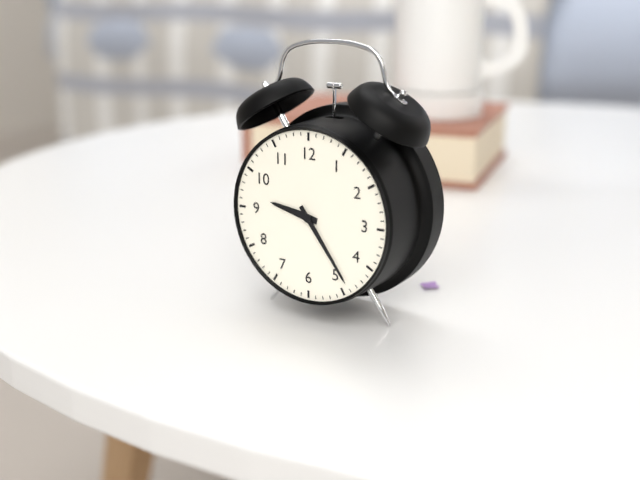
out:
9 h 24 min
